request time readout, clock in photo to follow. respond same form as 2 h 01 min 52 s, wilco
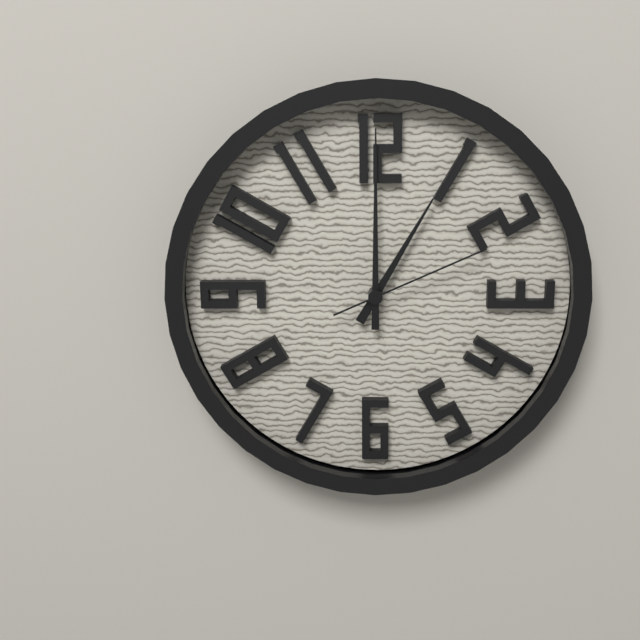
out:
1 h 00 min 11 s
